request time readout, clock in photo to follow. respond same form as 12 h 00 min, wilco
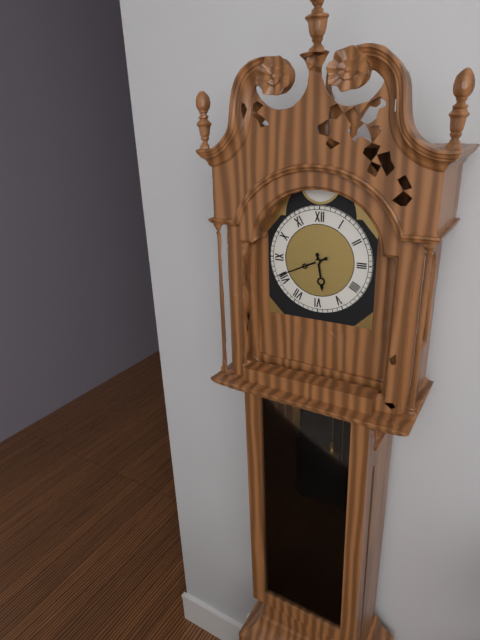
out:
5 h 41 min
